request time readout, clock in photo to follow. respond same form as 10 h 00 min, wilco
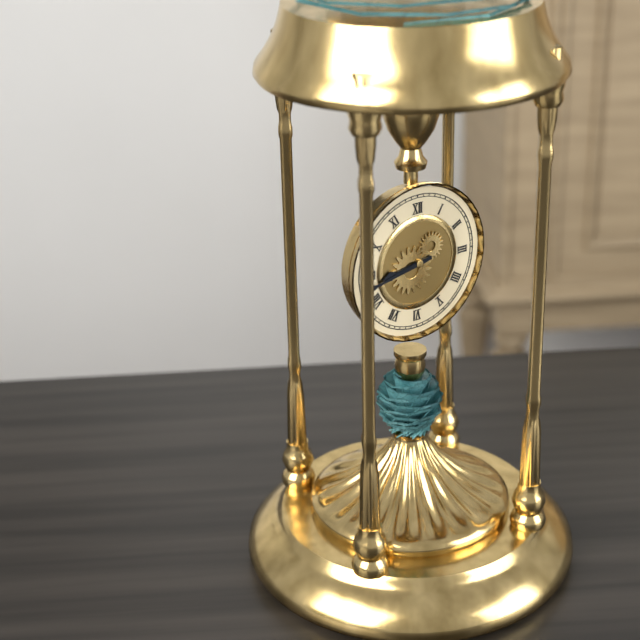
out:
8 h 43 min
